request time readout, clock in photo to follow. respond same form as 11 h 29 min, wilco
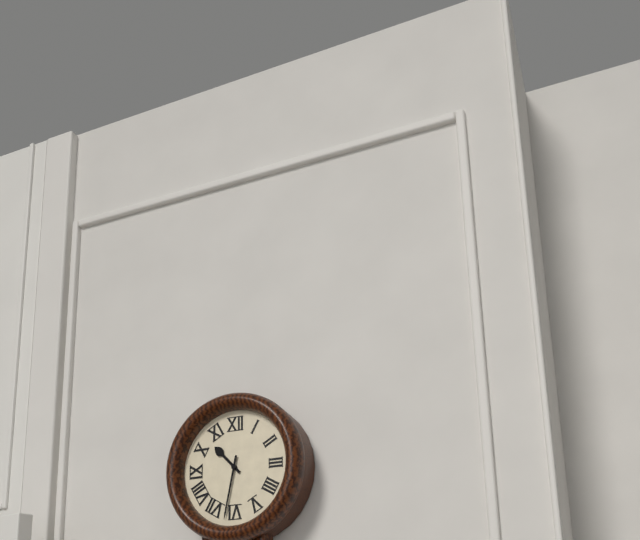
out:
10 h 32 min
